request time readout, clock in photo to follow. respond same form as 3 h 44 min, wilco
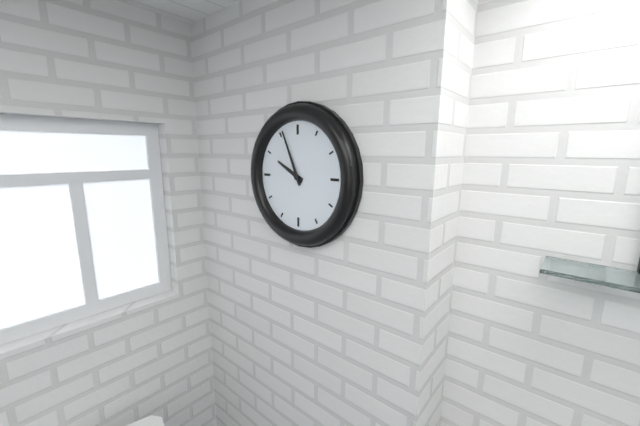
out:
9 h 56 min
